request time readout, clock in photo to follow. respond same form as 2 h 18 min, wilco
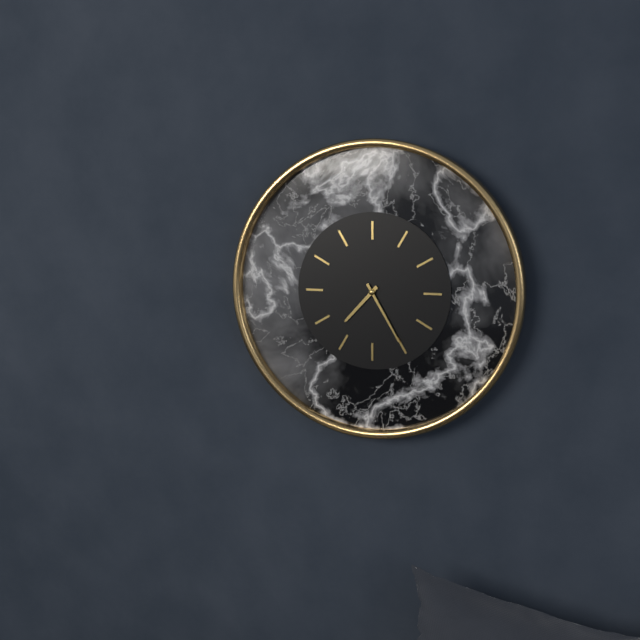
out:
7 h 25 min
